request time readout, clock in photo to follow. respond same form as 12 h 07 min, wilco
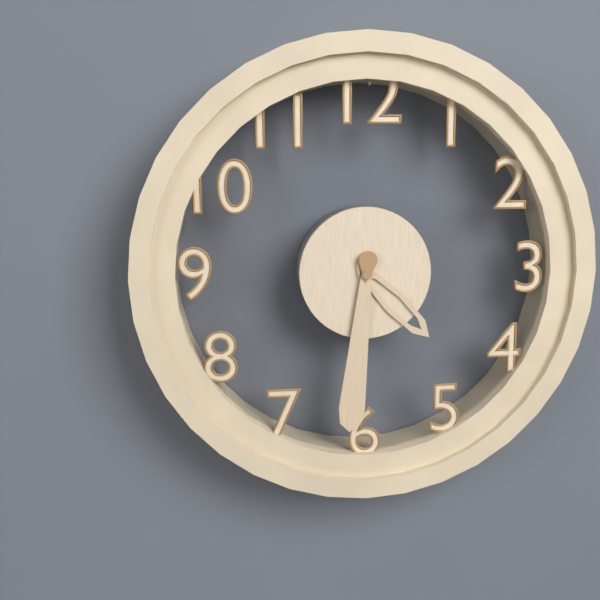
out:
4 h 31 min
